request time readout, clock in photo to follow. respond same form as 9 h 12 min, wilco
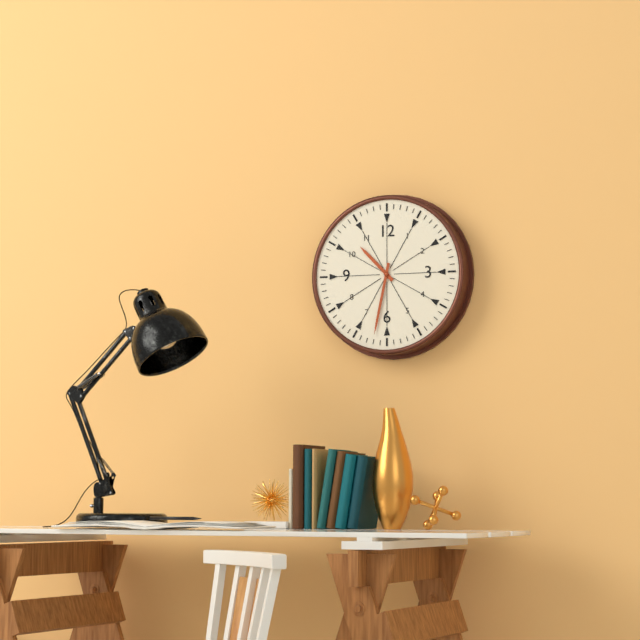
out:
10 h 32 min
